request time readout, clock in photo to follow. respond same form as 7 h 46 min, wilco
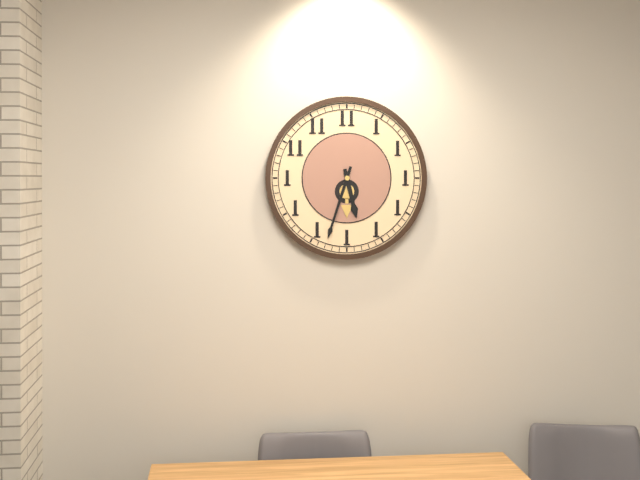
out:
5 h 33 min
